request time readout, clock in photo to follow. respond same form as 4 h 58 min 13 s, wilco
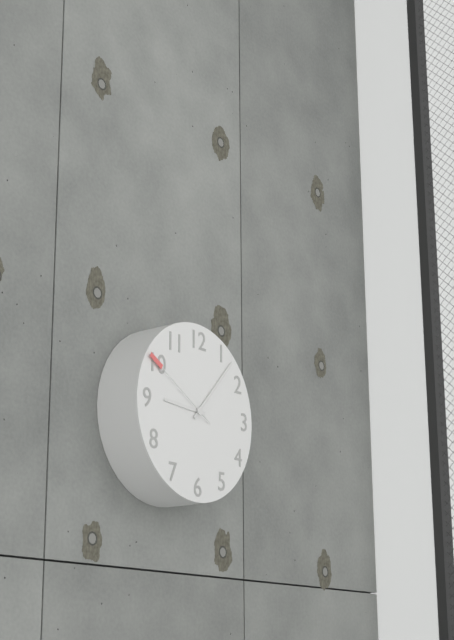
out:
9 h 07 min 50 s
